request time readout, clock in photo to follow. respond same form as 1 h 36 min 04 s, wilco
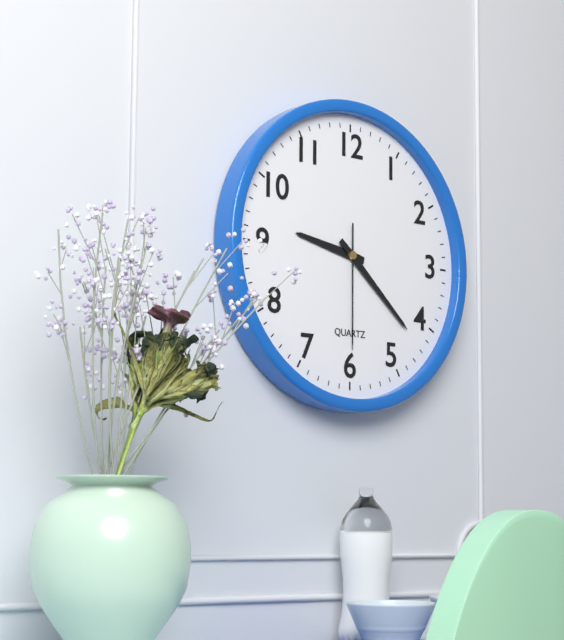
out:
9 h 22 min 30 s
